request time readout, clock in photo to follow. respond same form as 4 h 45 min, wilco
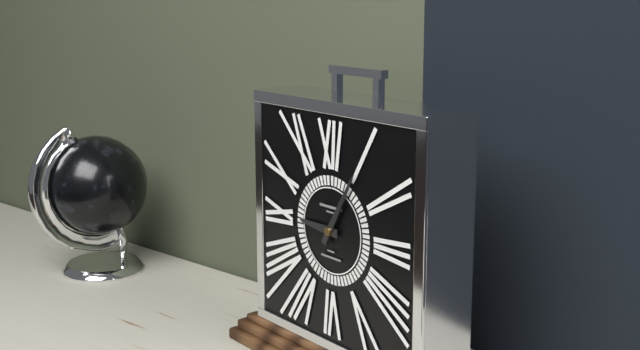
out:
9 h 05 min
